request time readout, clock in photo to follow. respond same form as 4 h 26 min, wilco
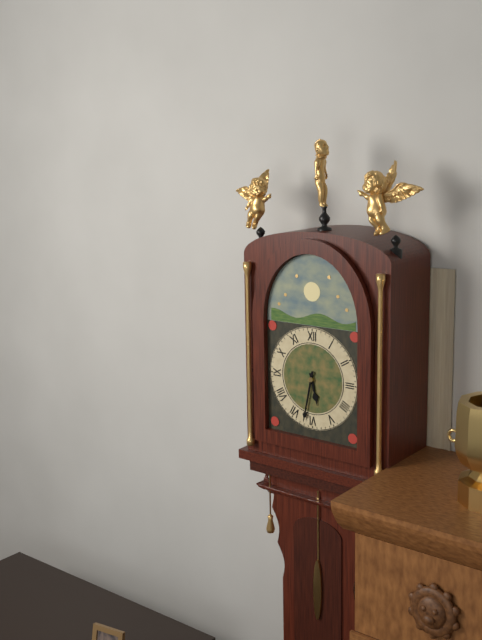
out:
5 h 32 min
